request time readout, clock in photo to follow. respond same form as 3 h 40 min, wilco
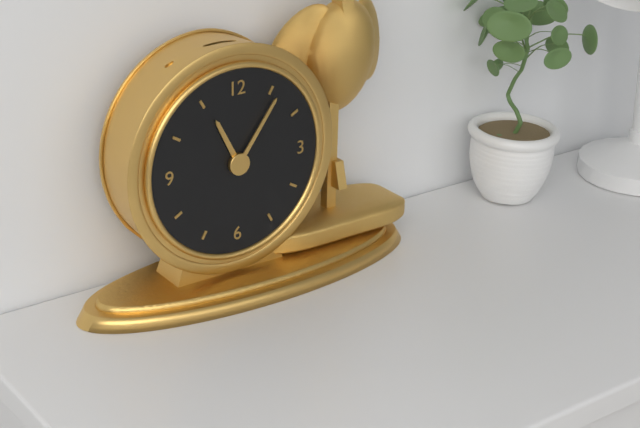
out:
11 h 06 min
